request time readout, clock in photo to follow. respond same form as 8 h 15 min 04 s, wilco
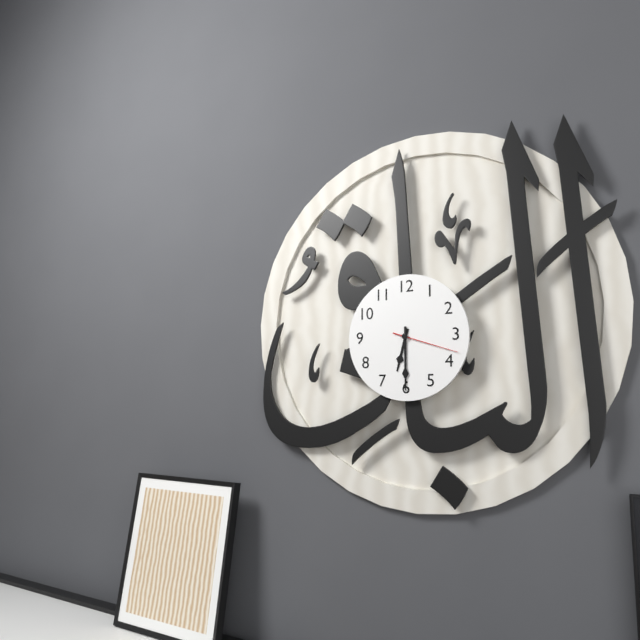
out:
6 h 30 min 18 s
